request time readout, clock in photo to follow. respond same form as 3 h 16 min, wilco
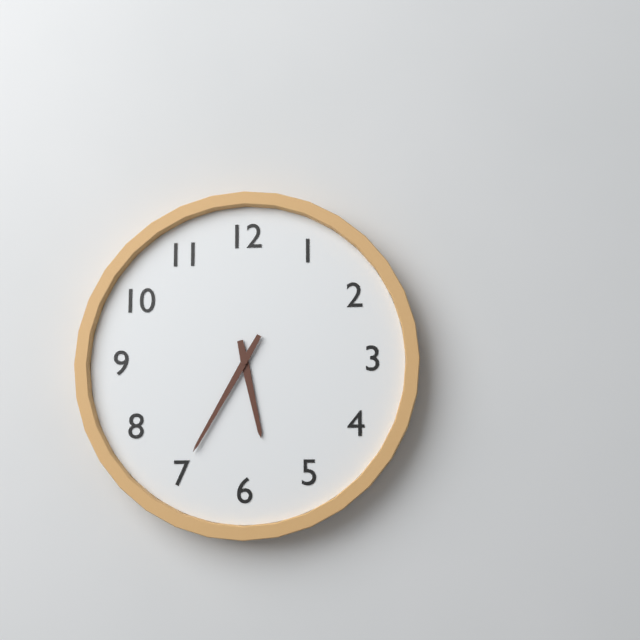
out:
5 h 35 min
